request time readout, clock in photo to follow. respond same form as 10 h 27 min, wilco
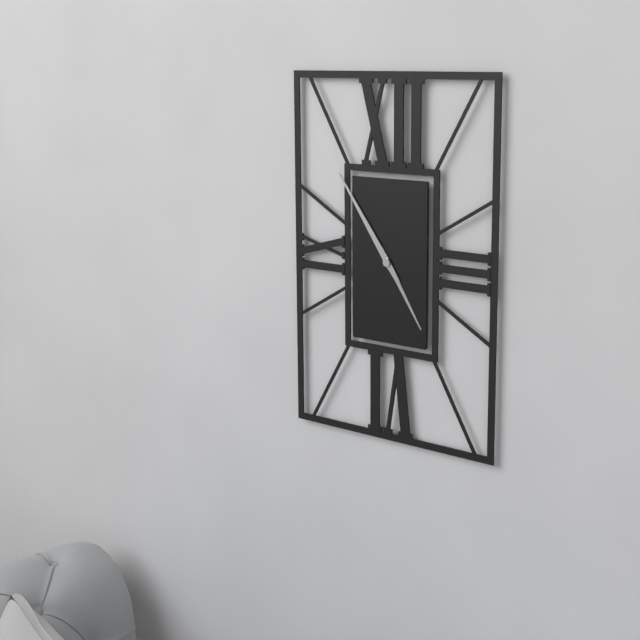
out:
4 h 54 min
